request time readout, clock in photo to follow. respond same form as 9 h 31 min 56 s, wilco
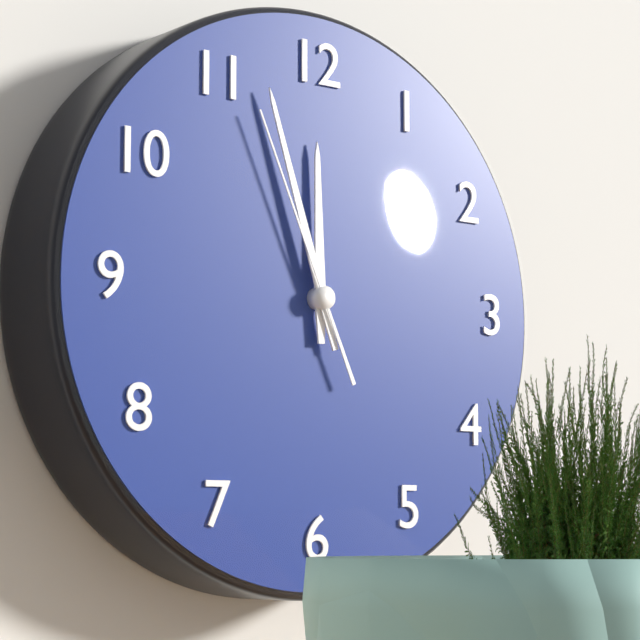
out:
11 h 57 min 56 s
